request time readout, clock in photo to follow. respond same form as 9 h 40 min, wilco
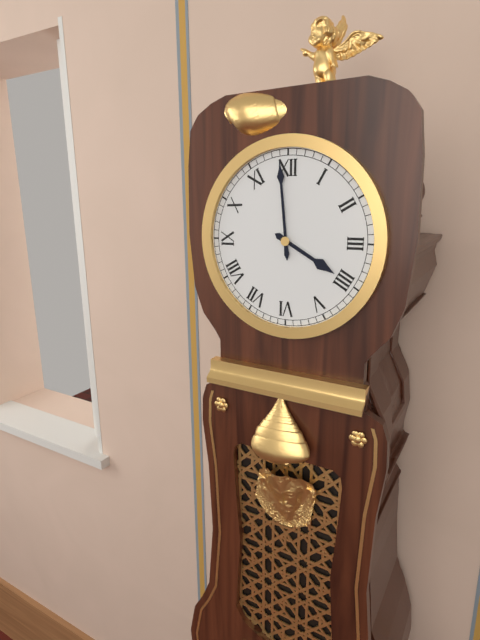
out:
3 h 59 min
